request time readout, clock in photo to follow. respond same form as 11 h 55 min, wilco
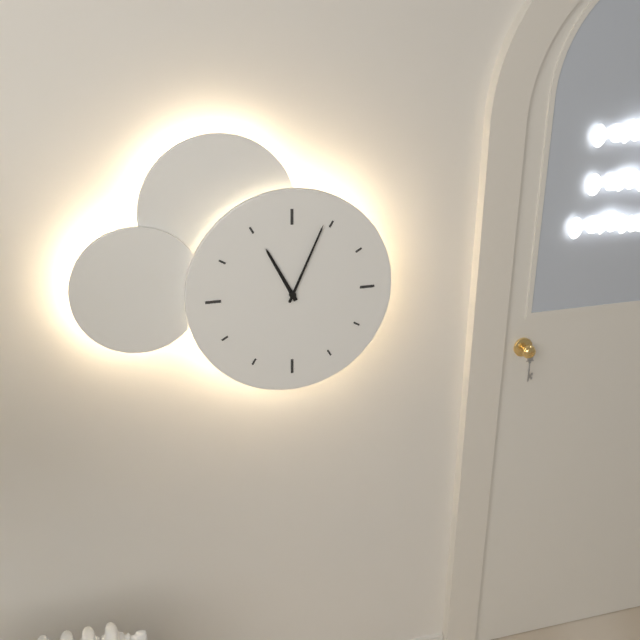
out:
11 h 04 min
